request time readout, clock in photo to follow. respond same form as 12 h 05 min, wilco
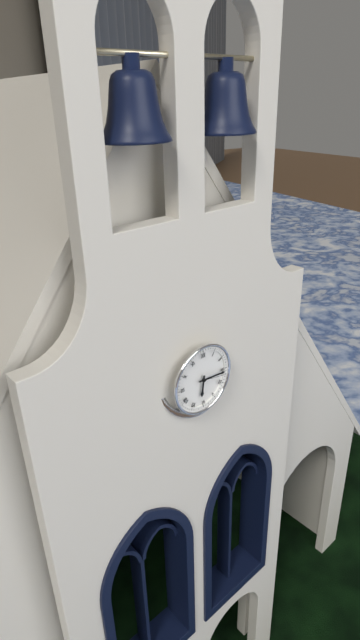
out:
6 h 16 min
